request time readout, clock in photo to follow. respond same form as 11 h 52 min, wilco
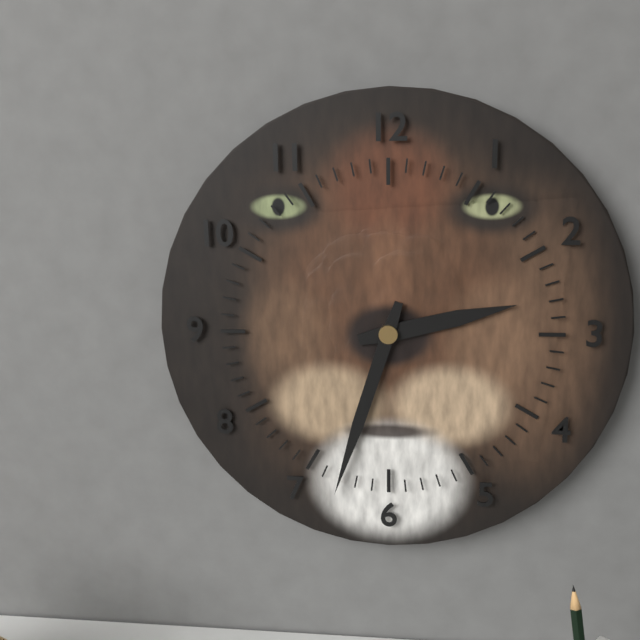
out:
2 h 33 min
